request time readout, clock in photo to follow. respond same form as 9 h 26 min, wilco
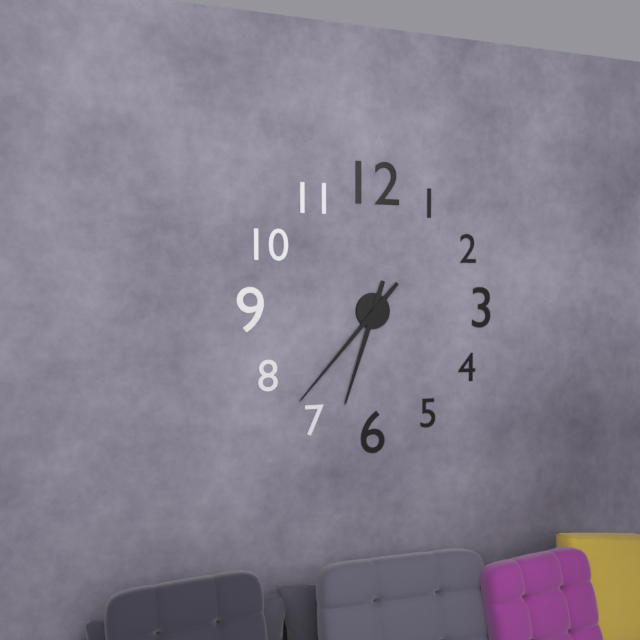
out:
6 h 37 min
